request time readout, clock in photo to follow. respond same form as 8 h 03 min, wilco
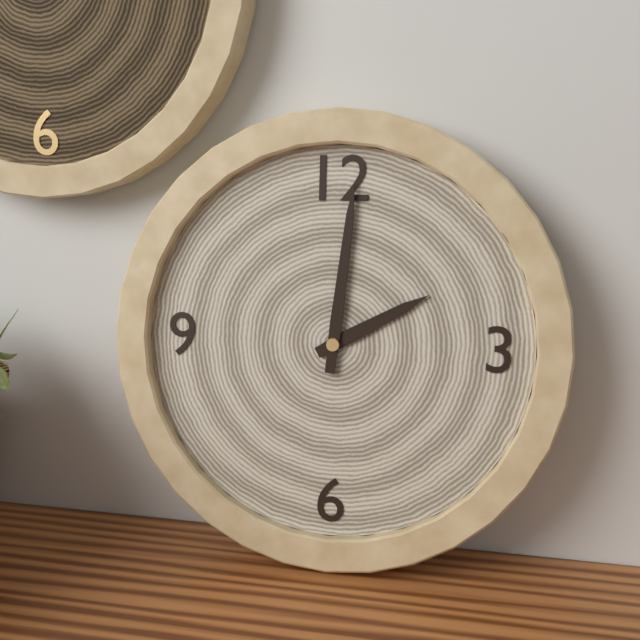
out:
2 h 01 min
